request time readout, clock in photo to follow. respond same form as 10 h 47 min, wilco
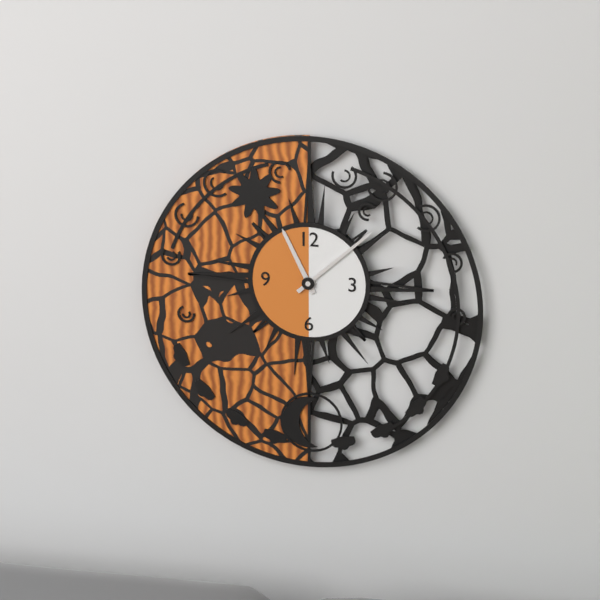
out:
11 h 08 min
